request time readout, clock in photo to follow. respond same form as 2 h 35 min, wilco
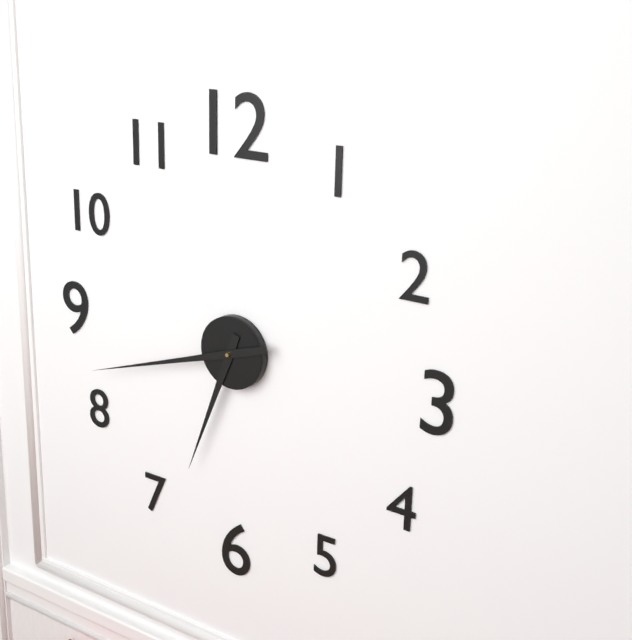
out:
6 h 42 min
